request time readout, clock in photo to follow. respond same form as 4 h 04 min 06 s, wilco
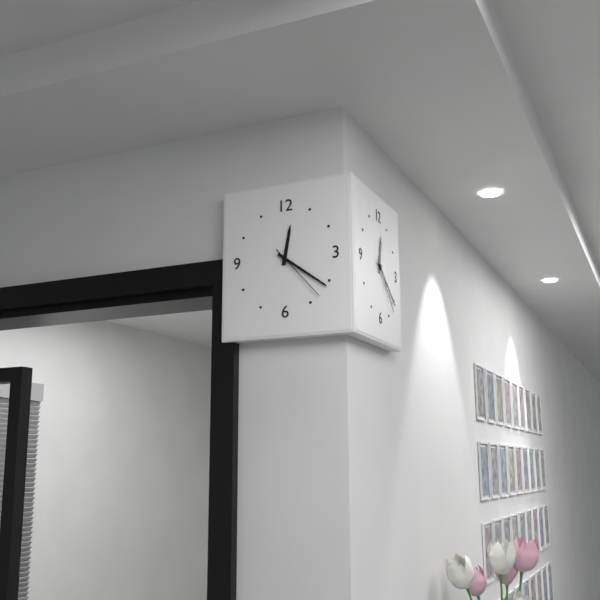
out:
12 h 21 min 23 s
